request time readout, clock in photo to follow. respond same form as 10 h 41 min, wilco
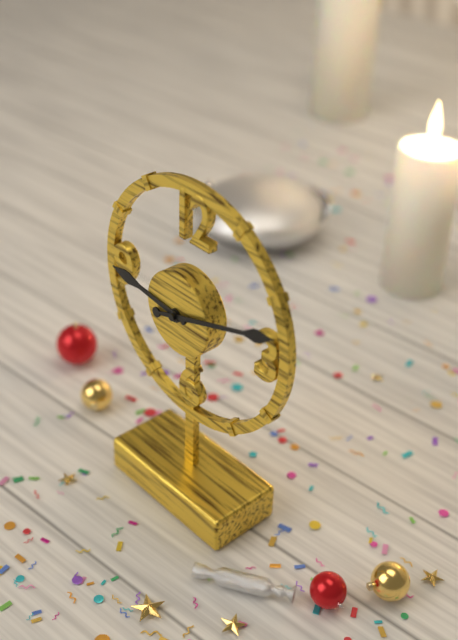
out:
9 h 12 min
